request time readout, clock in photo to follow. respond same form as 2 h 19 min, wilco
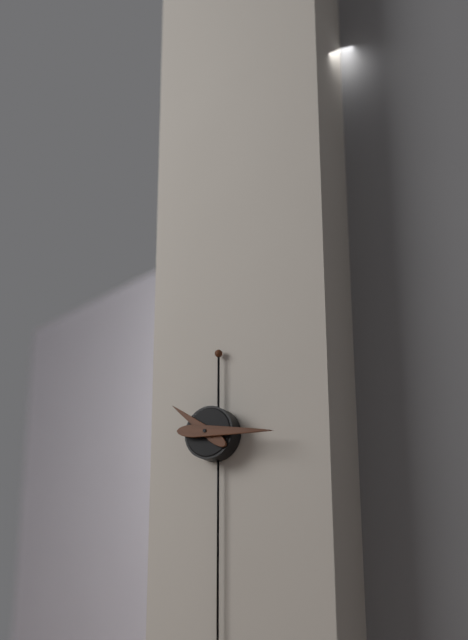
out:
10 h 16 min
